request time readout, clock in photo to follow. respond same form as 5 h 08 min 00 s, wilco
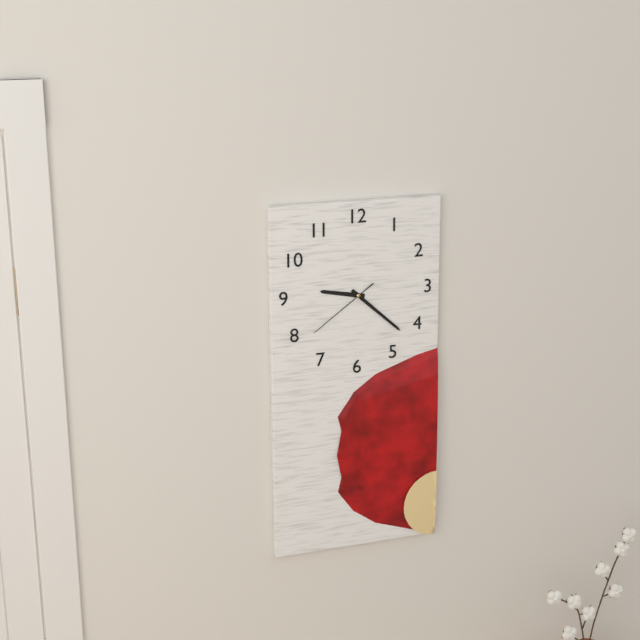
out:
9 h 22 min 39 s
